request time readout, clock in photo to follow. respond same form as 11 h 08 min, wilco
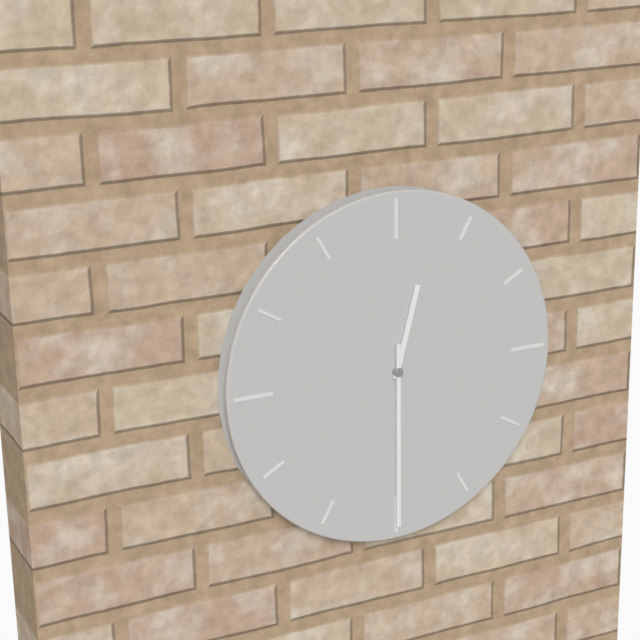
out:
12 h 30 min
